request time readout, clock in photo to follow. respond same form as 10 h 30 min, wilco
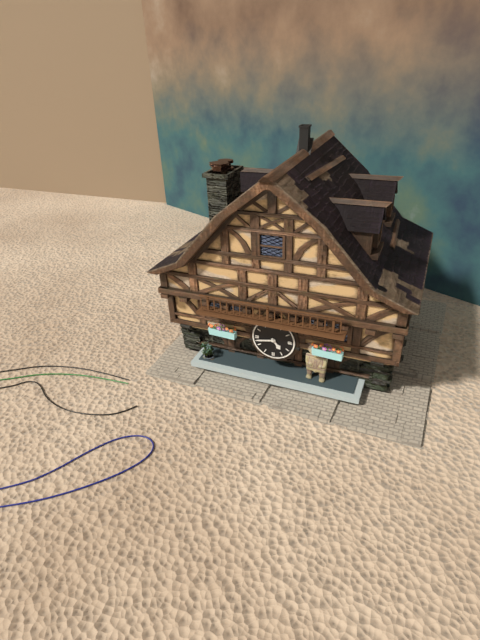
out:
4 h 43 min
